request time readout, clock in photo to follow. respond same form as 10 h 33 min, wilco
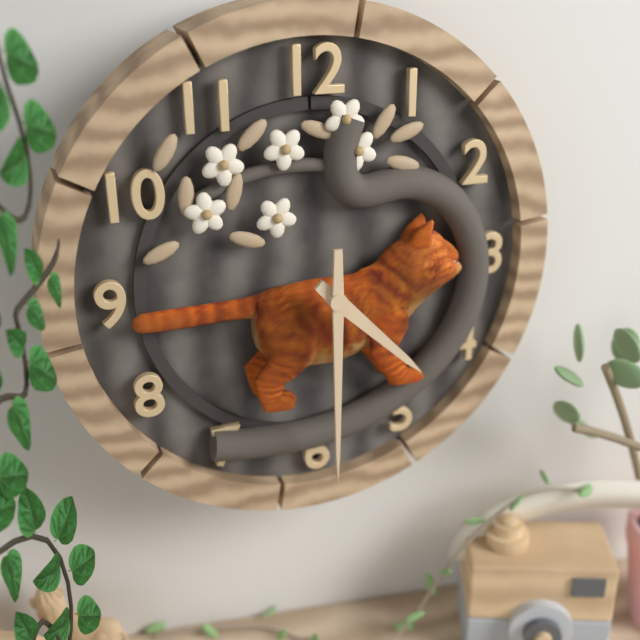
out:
4 h 30 min
